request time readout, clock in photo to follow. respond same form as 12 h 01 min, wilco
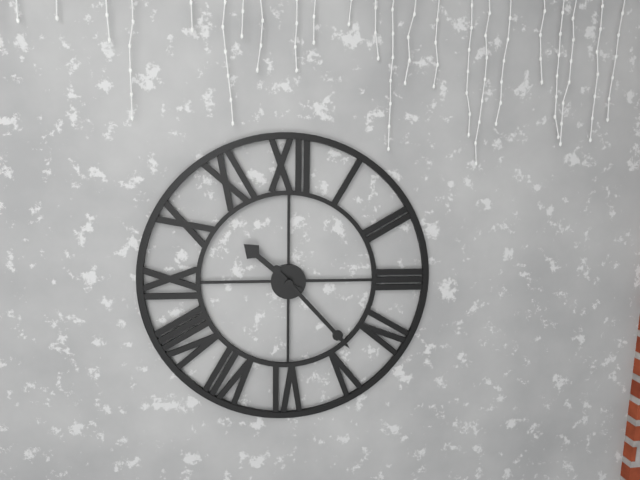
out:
10 h 23 min
